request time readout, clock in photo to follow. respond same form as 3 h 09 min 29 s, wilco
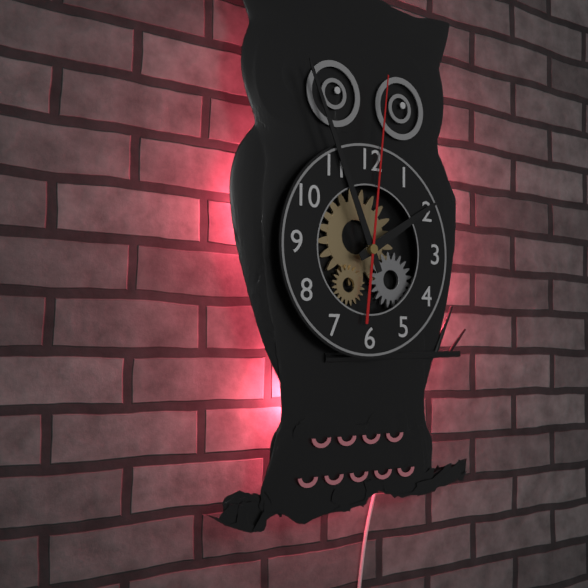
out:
1 h 56 min 01 s
